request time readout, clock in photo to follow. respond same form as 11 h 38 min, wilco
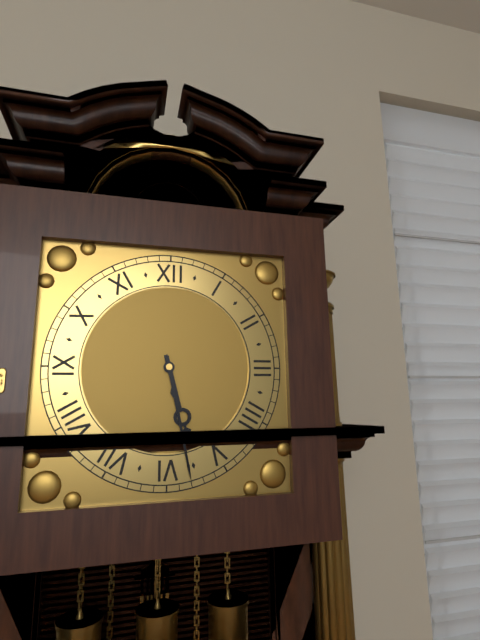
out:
5 h 28 min
